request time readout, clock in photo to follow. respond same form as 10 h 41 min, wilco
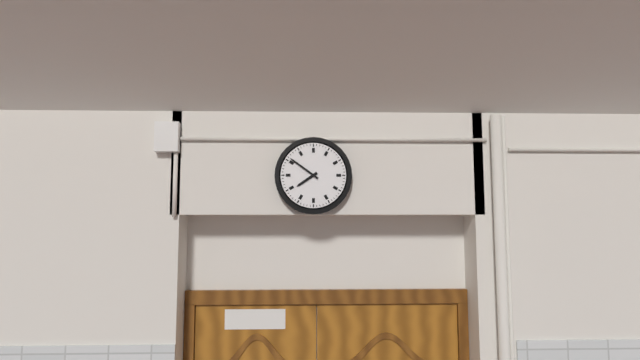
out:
7 h 51 min
